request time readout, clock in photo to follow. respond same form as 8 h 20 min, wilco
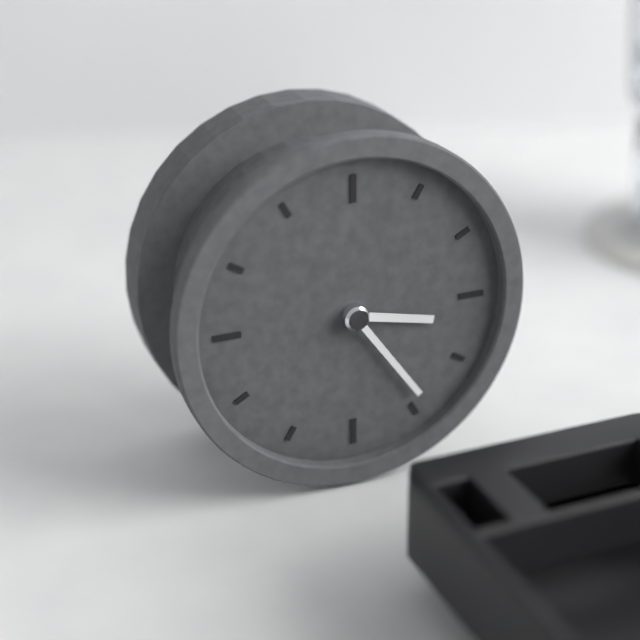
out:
3 h 24 min
